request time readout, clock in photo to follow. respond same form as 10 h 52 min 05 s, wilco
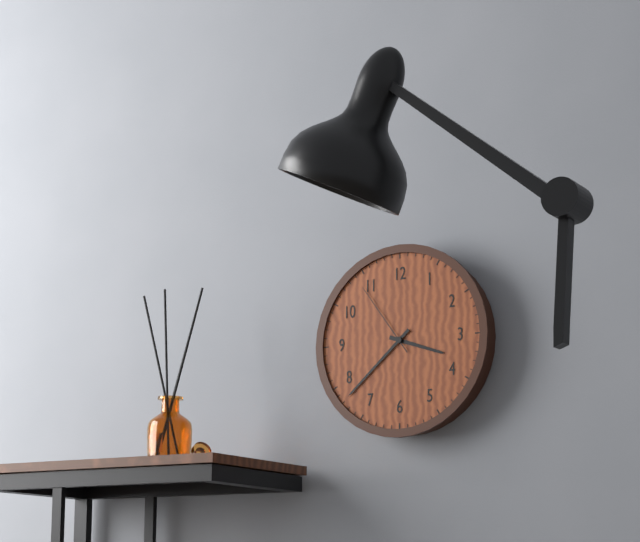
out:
3 h 38 min 54 s
